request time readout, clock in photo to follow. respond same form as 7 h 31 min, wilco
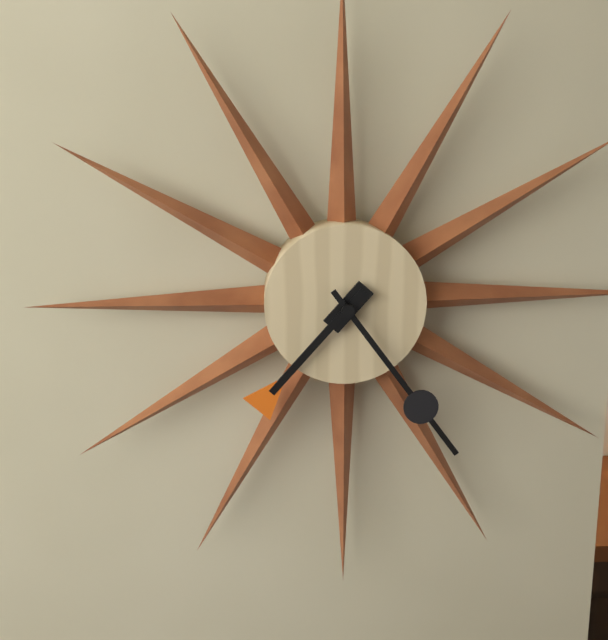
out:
7 h 24 min
